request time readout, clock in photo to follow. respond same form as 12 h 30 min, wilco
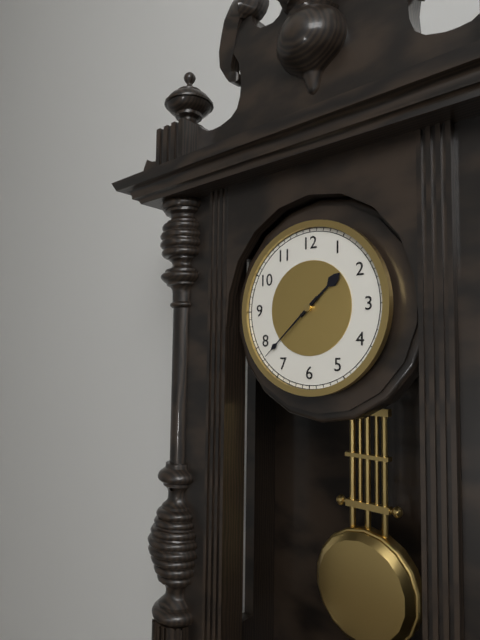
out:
1 h 38 min
